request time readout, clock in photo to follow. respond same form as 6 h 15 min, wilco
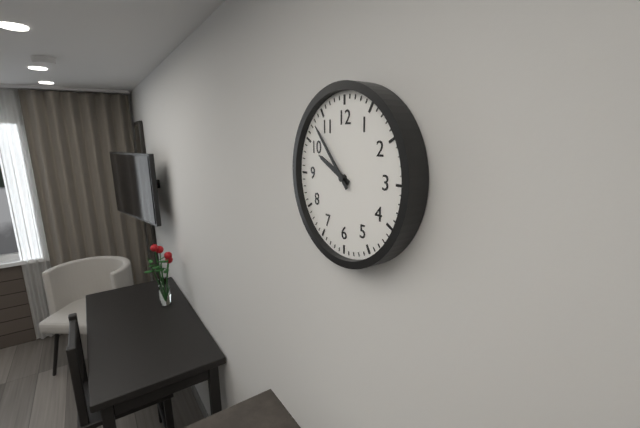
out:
9 h 53 min
